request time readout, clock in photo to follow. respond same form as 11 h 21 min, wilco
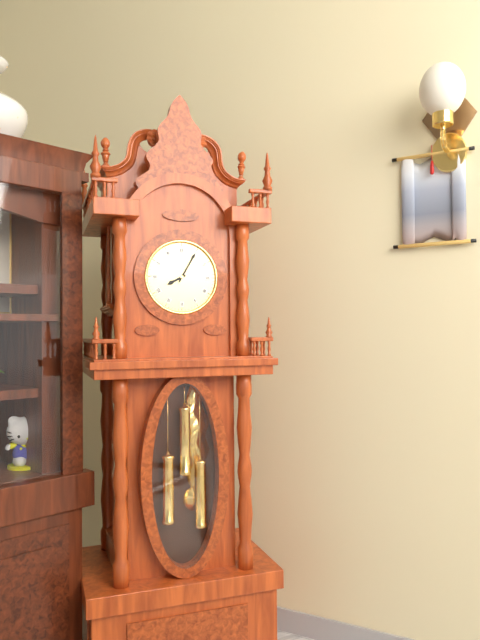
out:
8 h 05 min
